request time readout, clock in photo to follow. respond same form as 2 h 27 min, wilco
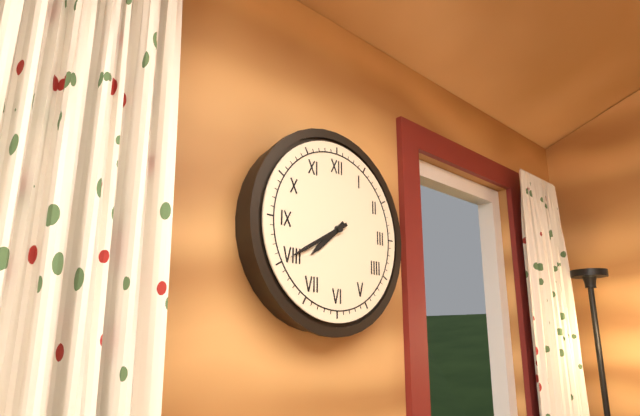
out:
7 h 40 min
